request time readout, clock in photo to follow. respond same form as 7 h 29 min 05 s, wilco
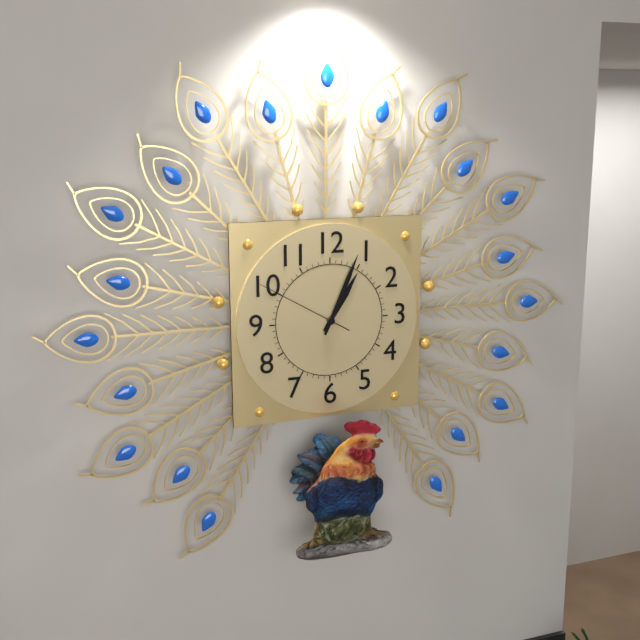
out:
1 h 04 min 50 s
